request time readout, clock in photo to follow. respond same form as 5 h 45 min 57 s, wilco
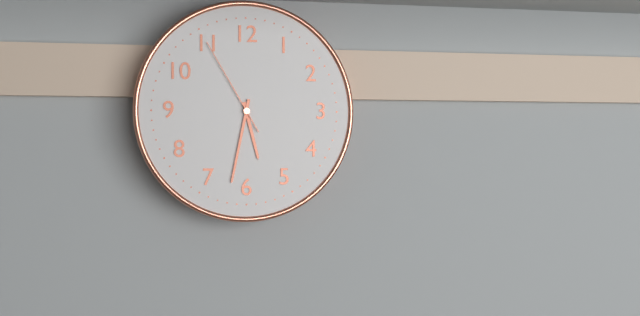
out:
5 h 32 min 55 s
